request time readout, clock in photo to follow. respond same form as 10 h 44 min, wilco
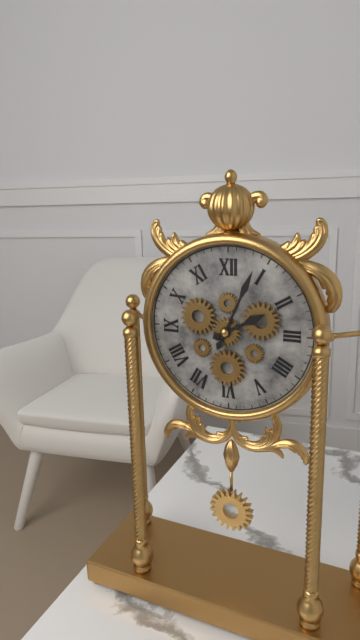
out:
2 h 04 min
